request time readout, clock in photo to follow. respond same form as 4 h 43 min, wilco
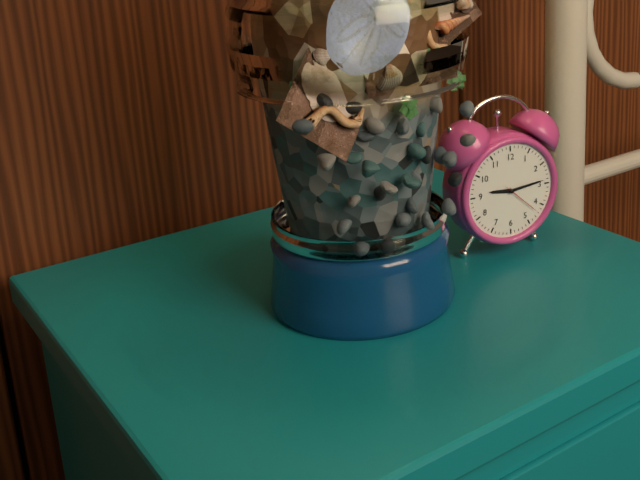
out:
9 h 14 min
